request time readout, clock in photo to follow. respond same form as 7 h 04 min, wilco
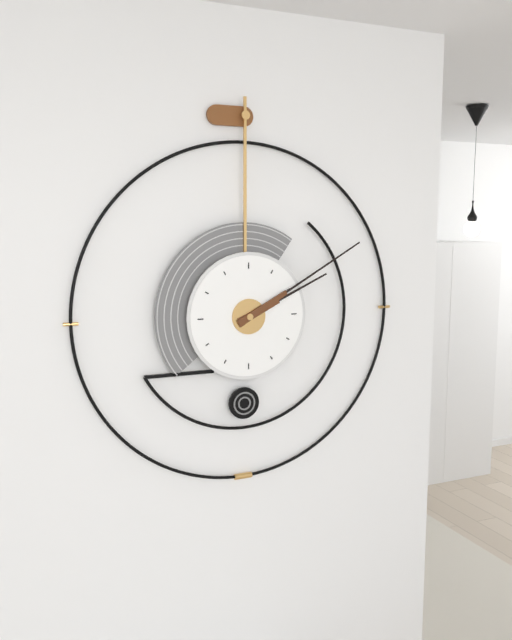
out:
2 h 10 min
